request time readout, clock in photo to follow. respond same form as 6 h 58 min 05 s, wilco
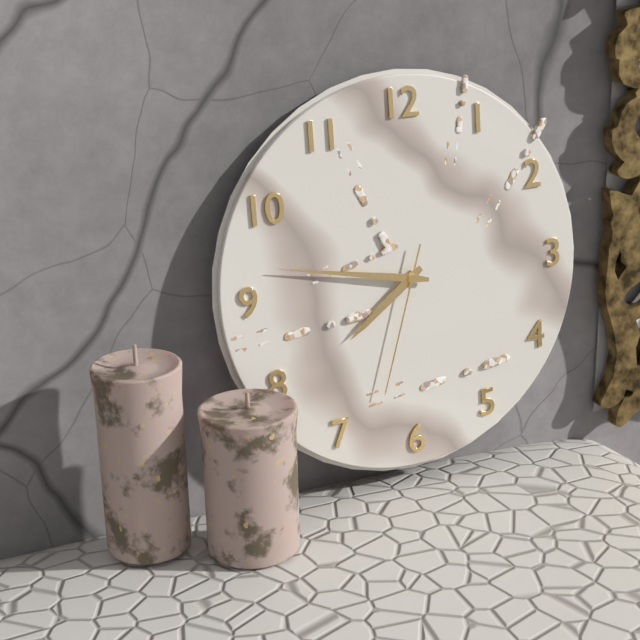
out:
7 h 47 min 33 s
